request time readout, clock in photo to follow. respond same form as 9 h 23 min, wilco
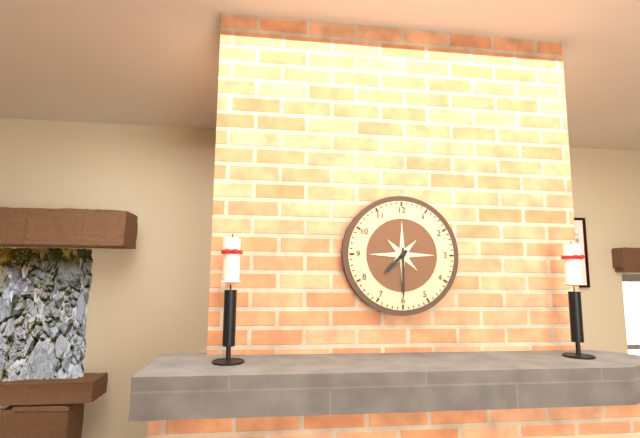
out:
7 h 30 min
